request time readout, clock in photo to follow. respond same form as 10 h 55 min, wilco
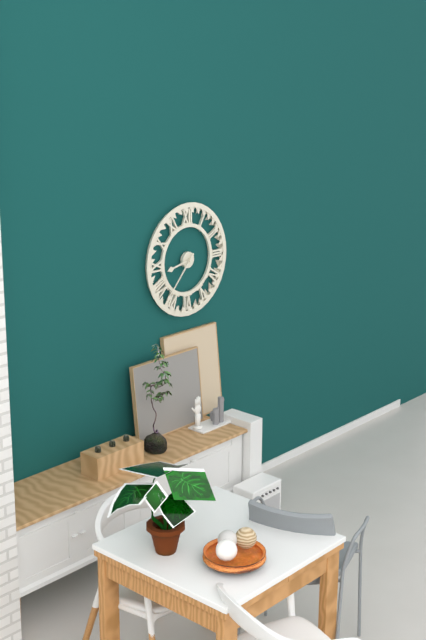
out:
8 h 37 min
